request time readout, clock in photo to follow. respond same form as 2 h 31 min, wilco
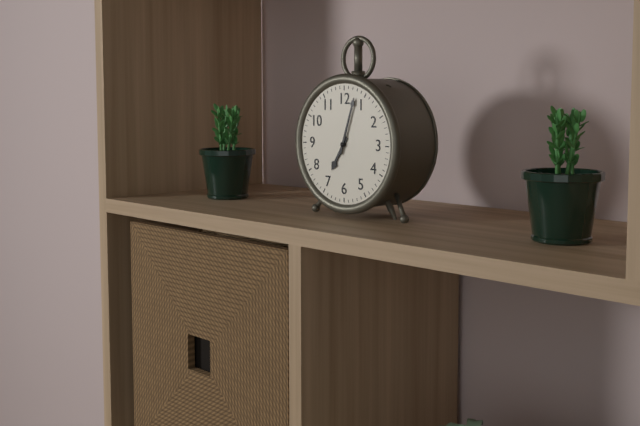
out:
7 h 03 min
